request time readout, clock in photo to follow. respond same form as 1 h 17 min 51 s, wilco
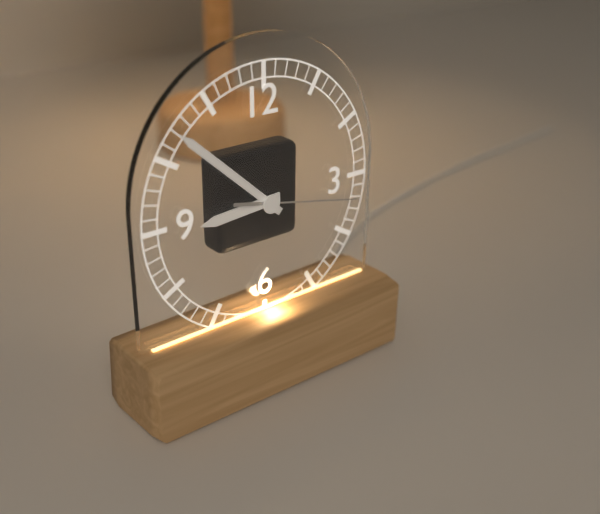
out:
8 h 52 min 17 s
